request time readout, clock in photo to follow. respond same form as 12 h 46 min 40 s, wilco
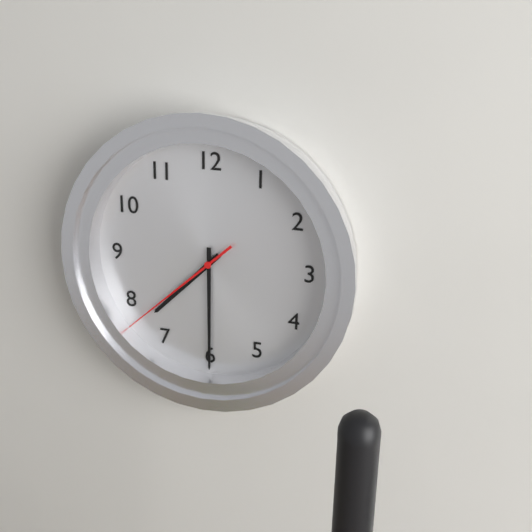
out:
7 h 30 min 38 s
